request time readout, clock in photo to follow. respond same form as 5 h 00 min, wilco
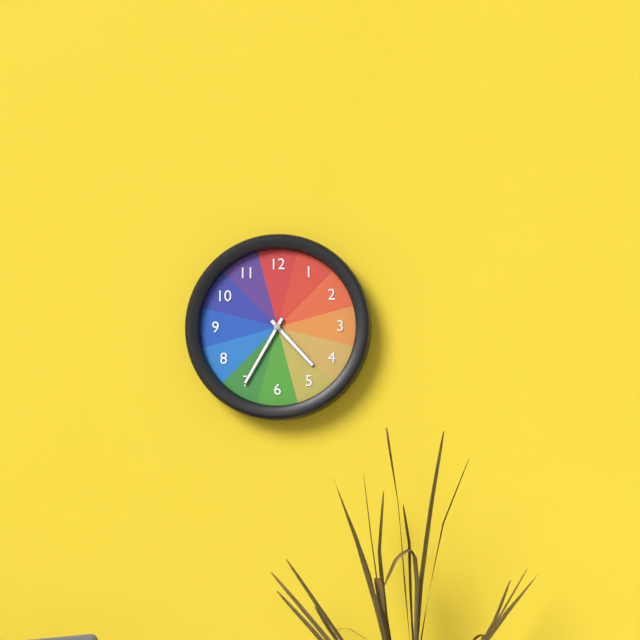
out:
4 h 35 min
